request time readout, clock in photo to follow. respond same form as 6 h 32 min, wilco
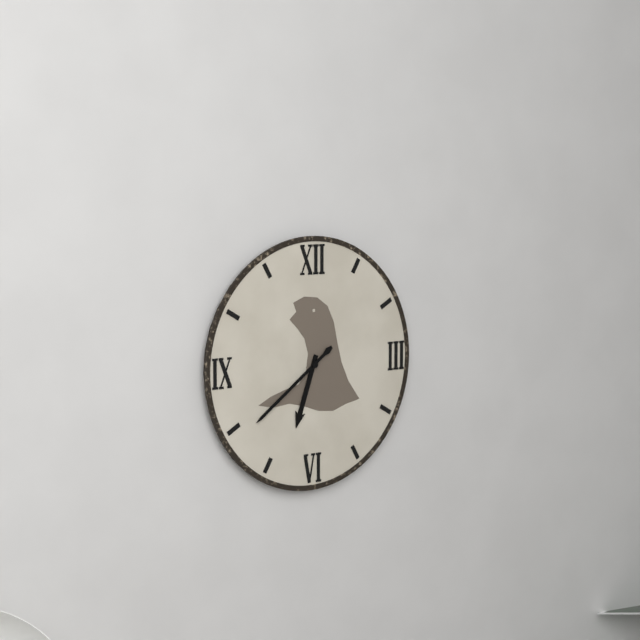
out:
6 h 39 min
